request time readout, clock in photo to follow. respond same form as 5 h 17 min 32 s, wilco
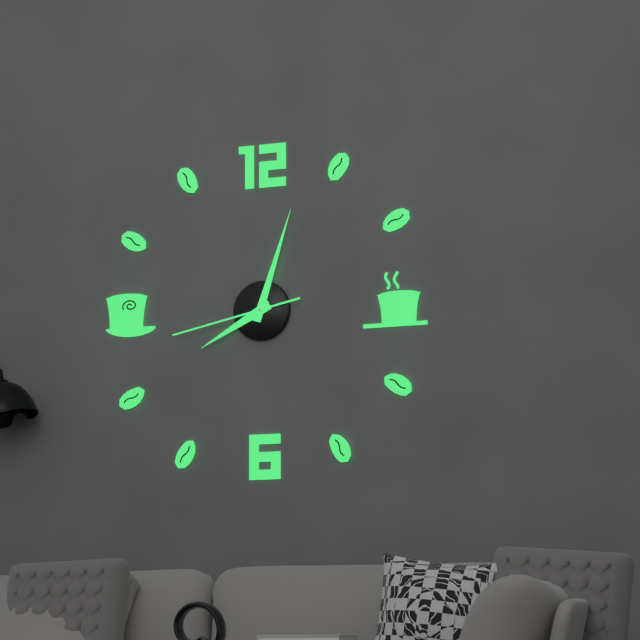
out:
8 h 03 min 43 s
